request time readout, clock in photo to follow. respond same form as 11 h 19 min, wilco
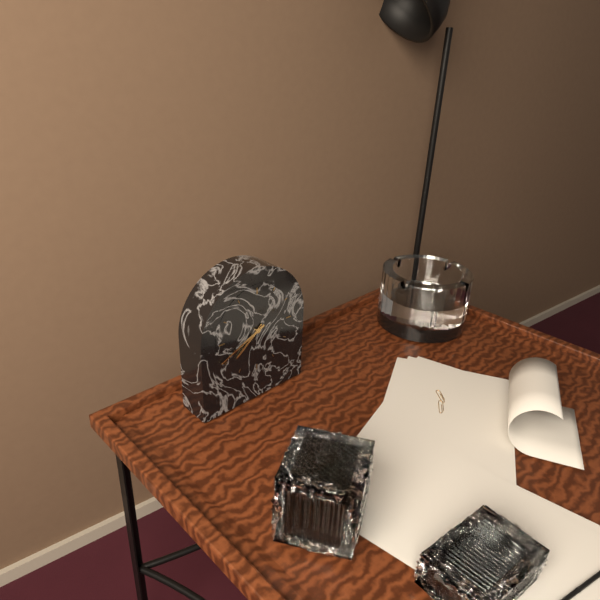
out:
7 h 41 min
